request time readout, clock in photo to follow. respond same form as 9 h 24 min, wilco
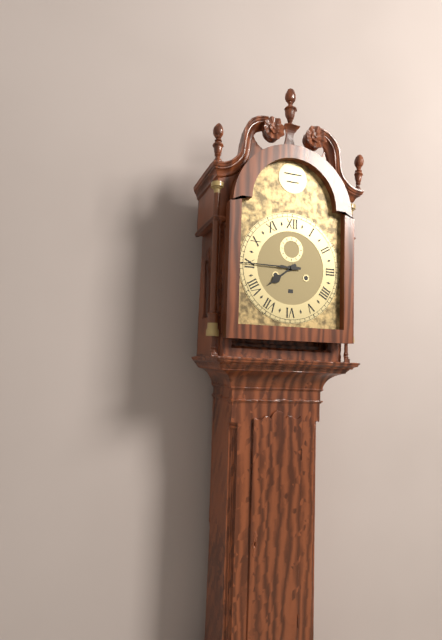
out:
7 h 45 min
